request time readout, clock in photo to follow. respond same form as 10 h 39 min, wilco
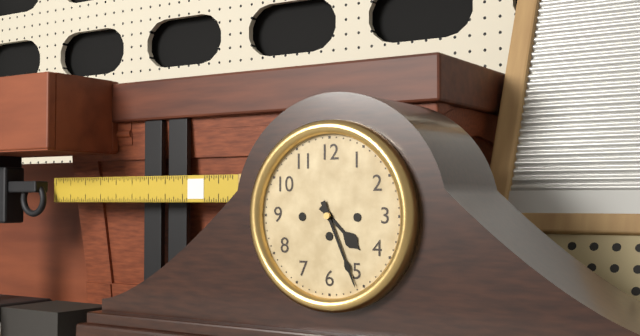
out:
4 h 26 min
